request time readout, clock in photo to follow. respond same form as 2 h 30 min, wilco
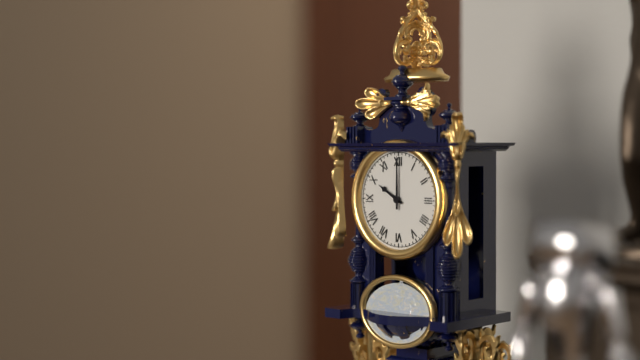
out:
10 h 00 min
